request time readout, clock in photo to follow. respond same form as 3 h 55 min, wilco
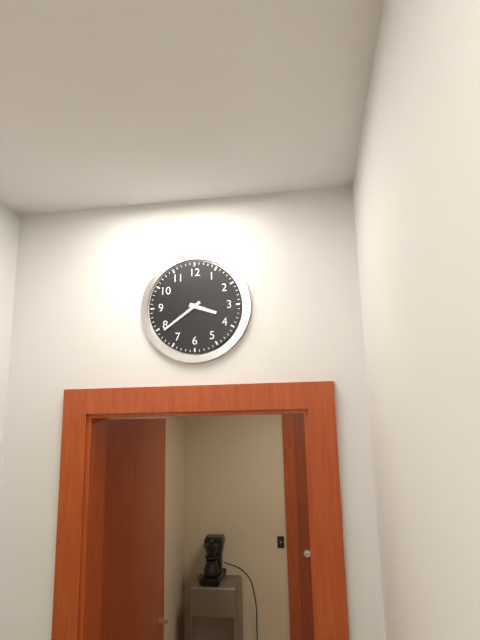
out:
3 h 39 min
